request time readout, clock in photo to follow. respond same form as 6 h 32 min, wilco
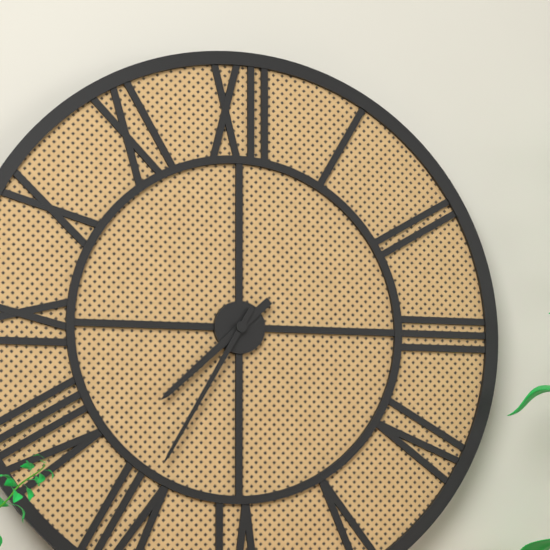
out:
7 h 35 min
